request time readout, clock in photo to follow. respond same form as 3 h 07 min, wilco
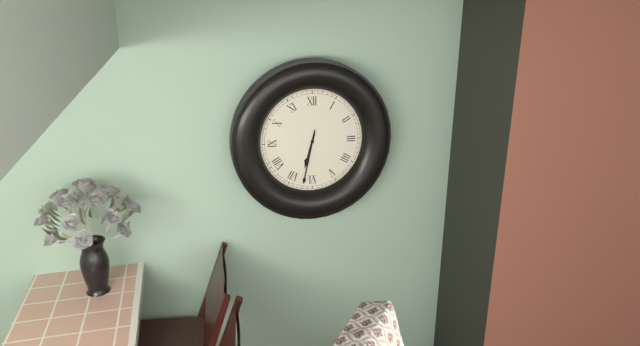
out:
6 h 32 min
